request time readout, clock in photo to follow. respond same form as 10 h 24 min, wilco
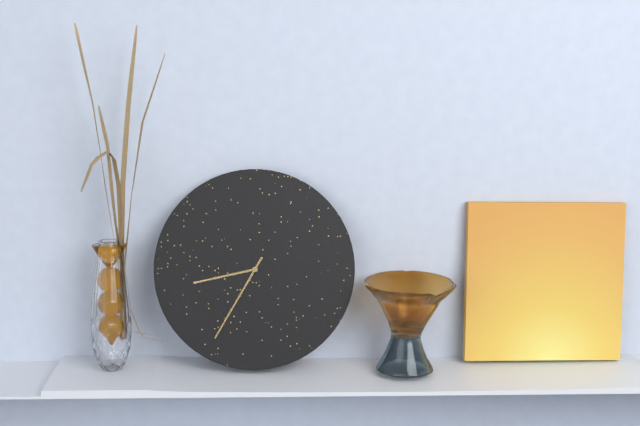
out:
8 h 35 min
